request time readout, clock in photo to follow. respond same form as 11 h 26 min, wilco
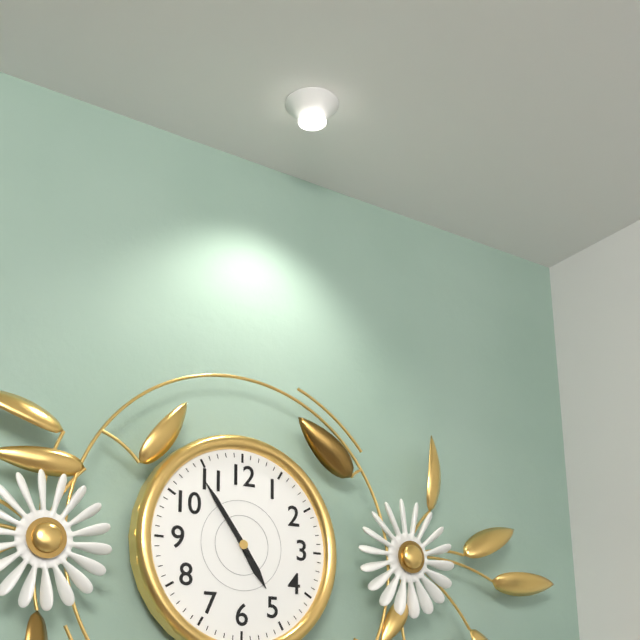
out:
4 h 54 min
